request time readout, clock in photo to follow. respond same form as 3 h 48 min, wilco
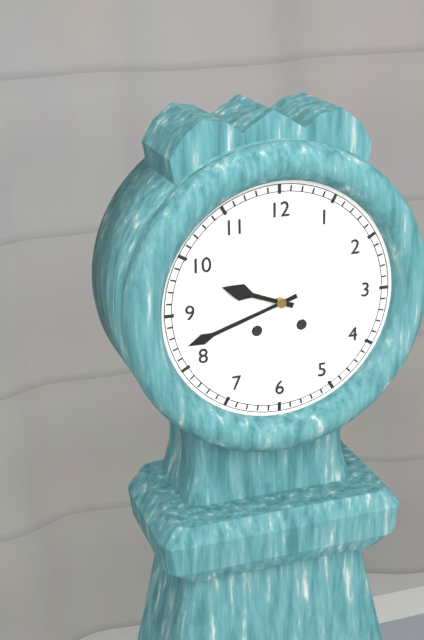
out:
9 h 42 min
